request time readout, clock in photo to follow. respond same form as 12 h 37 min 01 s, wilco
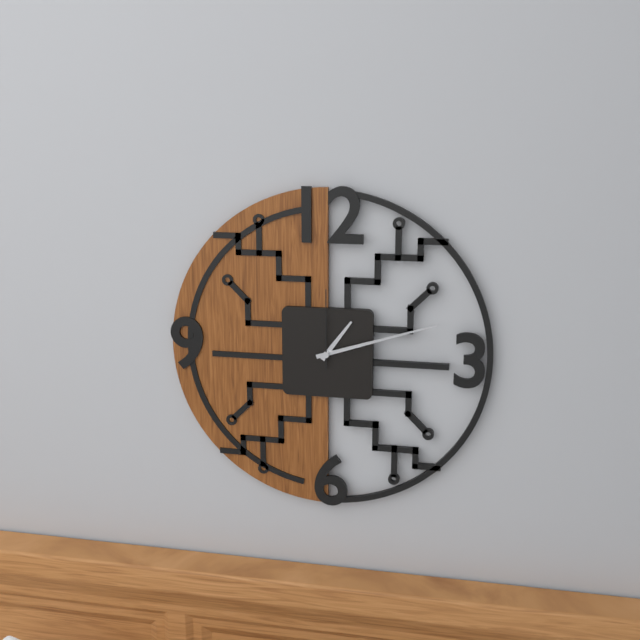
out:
1 h 12 min 00 s
